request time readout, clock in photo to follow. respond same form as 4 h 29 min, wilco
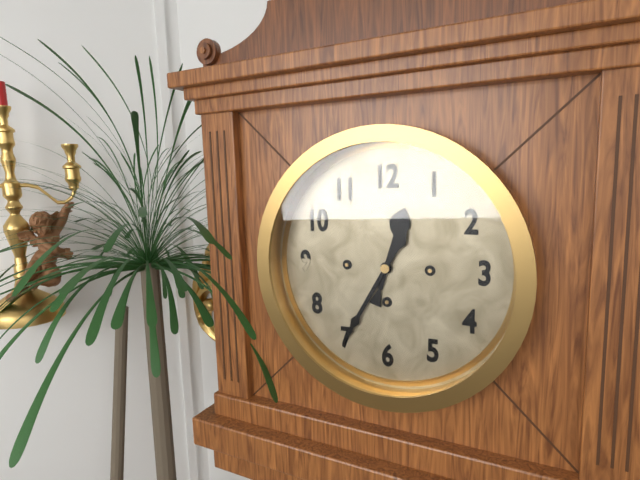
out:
12 h 35 min
